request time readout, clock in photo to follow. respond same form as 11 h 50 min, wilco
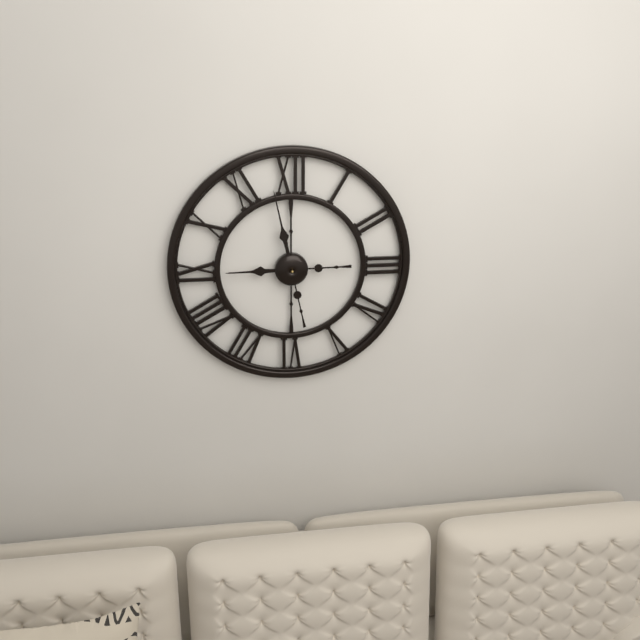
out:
8 h 58 min
